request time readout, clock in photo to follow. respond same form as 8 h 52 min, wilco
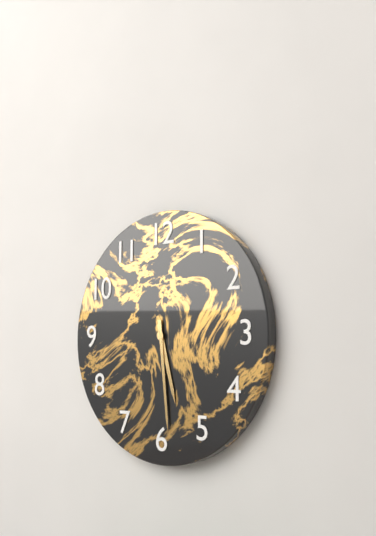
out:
5 h 29 min
